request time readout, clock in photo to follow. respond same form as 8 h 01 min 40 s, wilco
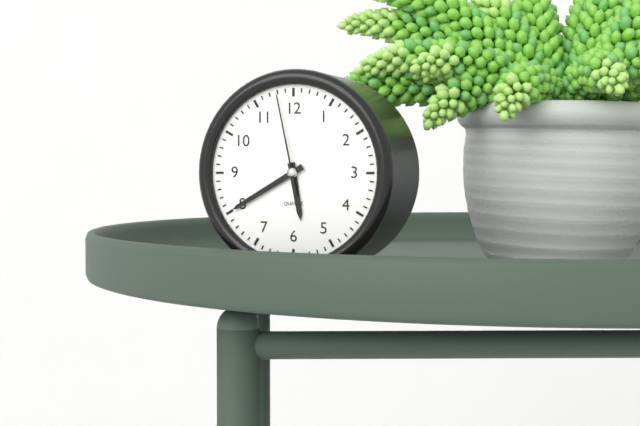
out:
5 h 40 min 58 s
